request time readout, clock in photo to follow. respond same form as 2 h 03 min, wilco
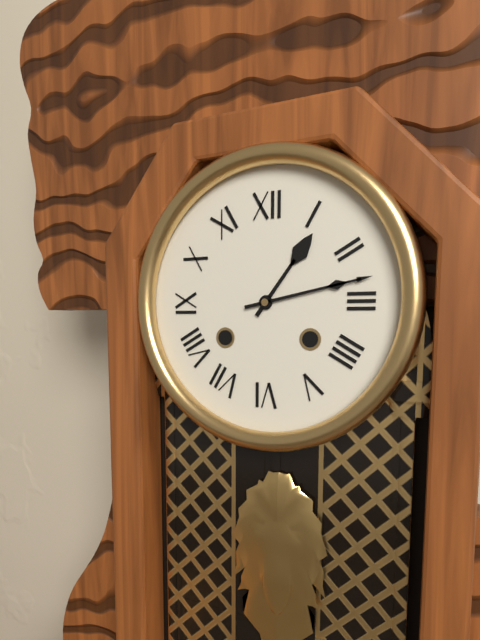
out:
1 h 13 min
